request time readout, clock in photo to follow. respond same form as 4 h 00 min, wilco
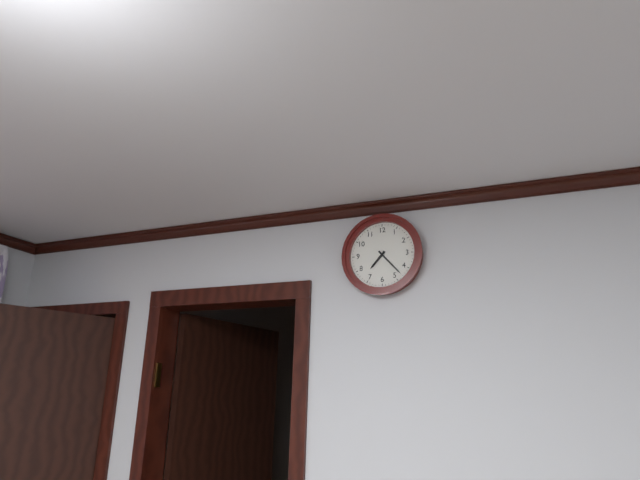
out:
7 h 23 min
